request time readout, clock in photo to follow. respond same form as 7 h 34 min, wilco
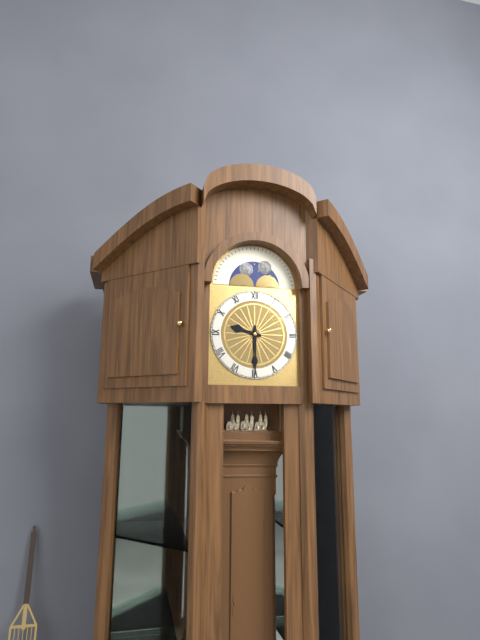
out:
9 h 30 min
